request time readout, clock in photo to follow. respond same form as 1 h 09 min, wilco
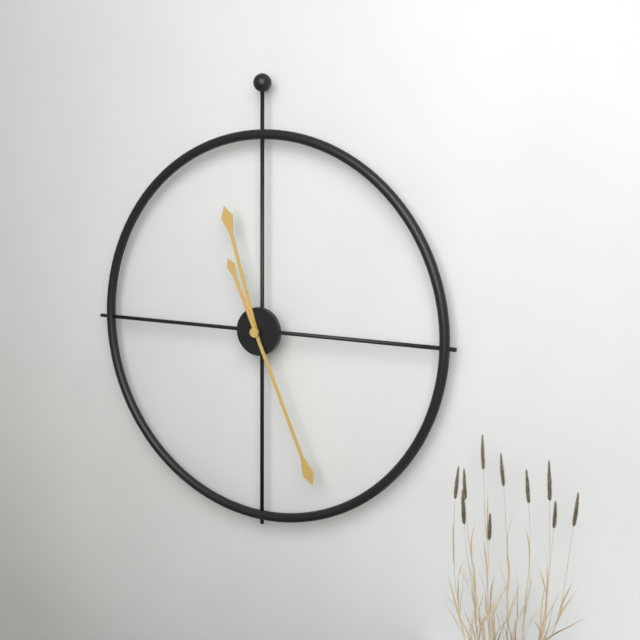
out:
11 h 26 min
